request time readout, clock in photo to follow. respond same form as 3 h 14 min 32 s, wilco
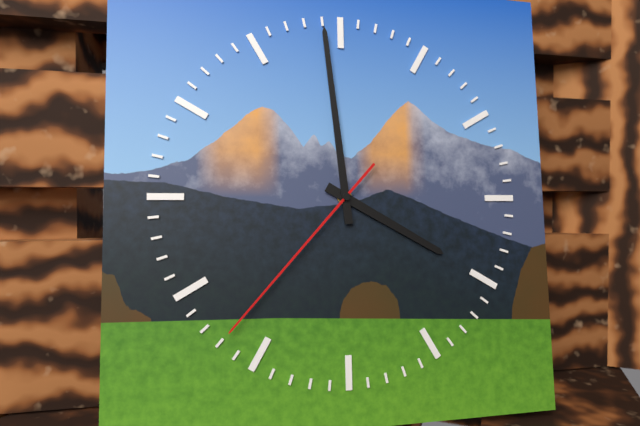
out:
3 h 59 min 37 s
